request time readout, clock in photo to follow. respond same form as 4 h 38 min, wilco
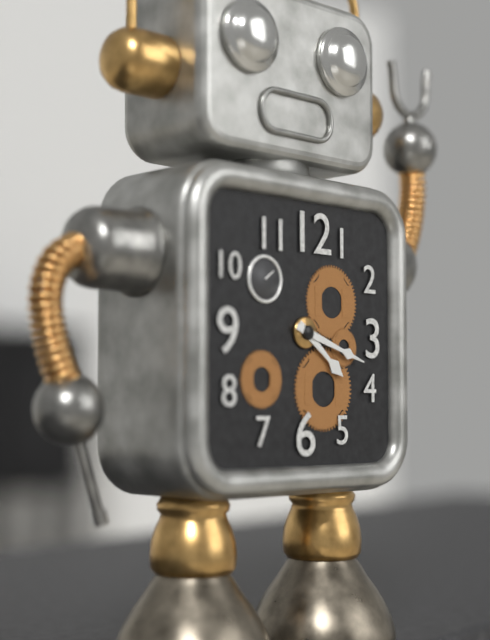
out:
4 h 18 min
